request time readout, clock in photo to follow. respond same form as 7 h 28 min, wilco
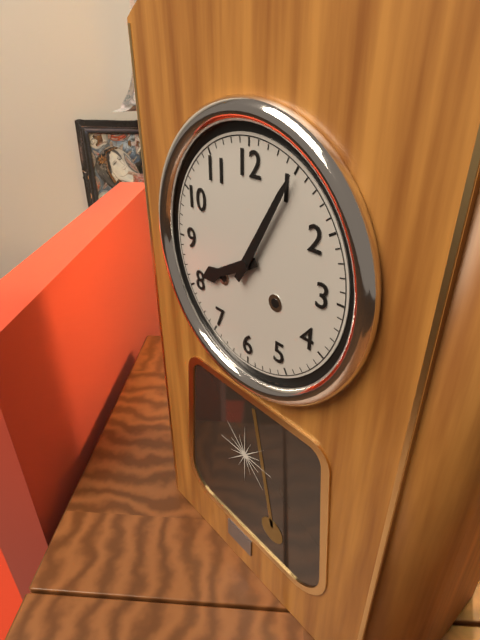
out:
8 h 05 min
